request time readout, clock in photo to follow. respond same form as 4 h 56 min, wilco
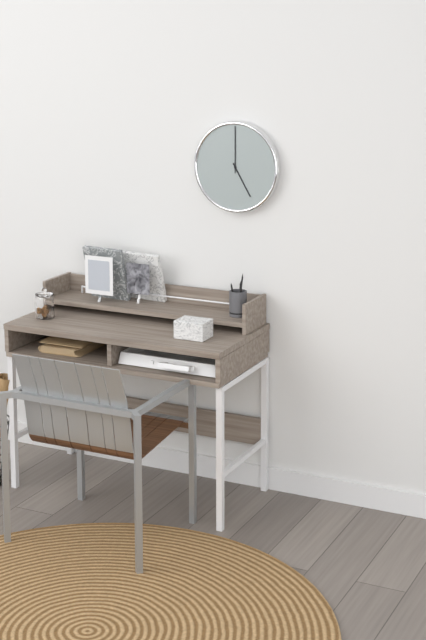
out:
5 h 00 min
